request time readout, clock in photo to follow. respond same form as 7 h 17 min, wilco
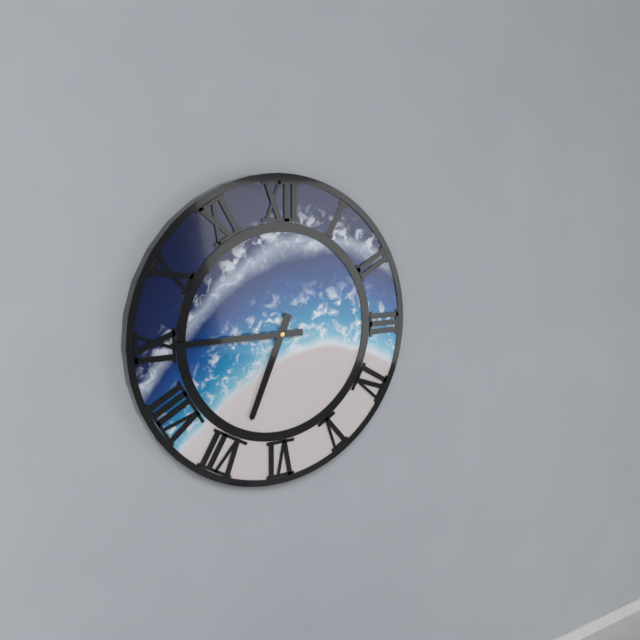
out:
6 h 45 min
